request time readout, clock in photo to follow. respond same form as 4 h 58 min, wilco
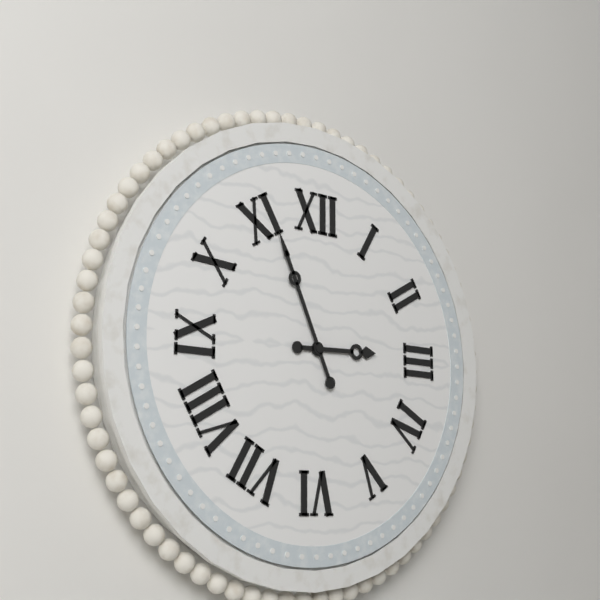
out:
2 h 56 min
